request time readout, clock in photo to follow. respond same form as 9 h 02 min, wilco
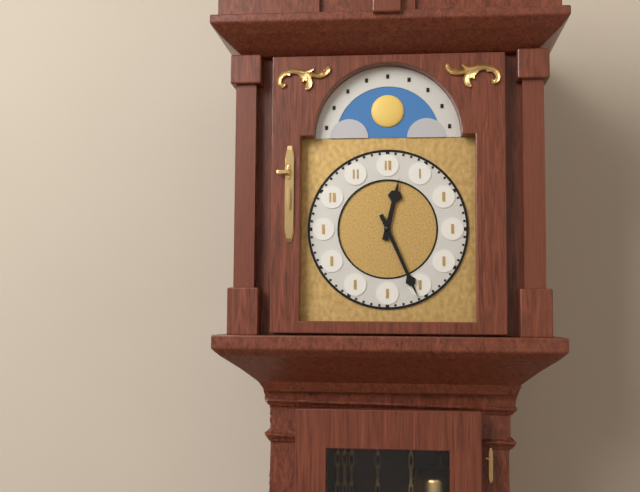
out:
12 h 26 min
